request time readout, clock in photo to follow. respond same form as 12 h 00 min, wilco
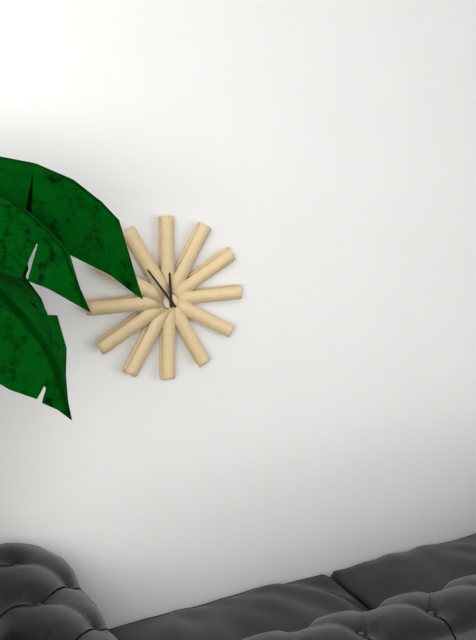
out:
11 h 54 min
